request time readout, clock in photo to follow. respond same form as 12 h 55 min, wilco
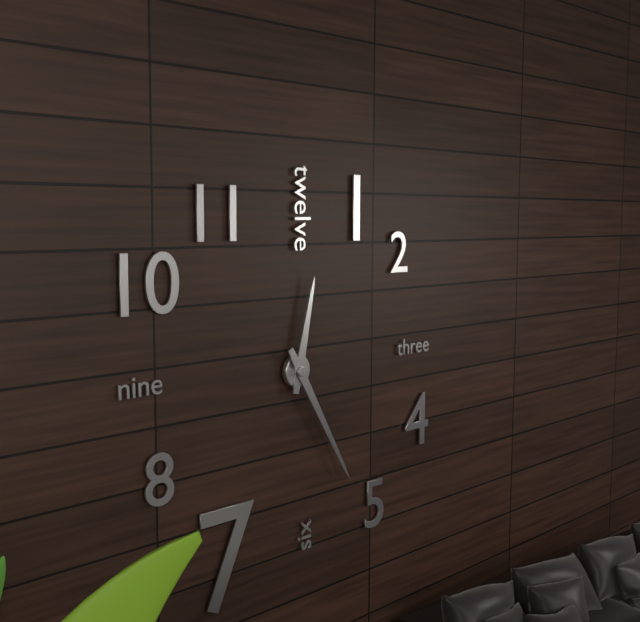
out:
12 h 25 min
